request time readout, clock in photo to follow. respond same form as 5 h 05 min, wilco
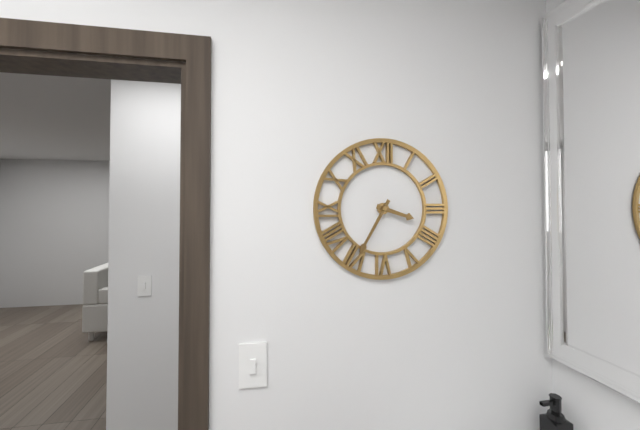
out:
3 h 35 min
